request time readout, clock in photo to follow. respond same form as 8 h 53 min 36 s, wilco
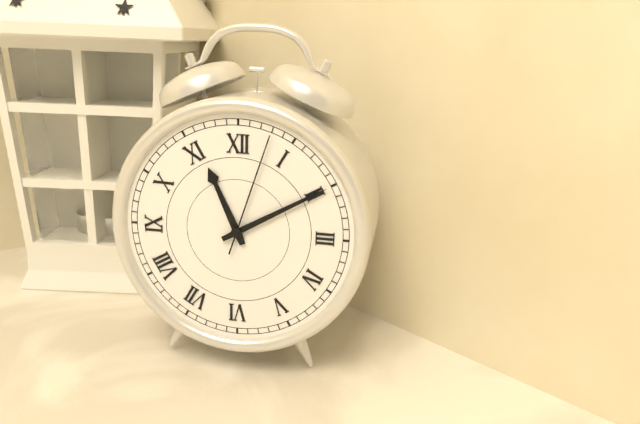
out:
11 h 10 min 03 s
